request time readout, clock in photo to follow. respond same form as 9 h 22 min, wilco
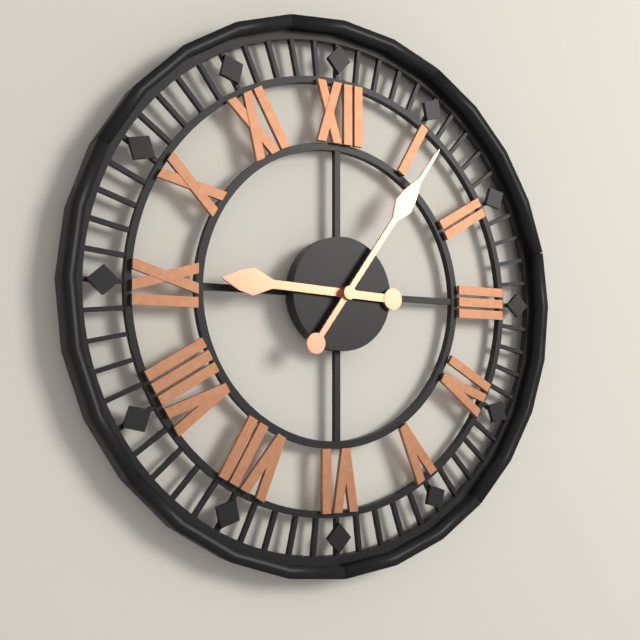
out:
9 h 06 min
